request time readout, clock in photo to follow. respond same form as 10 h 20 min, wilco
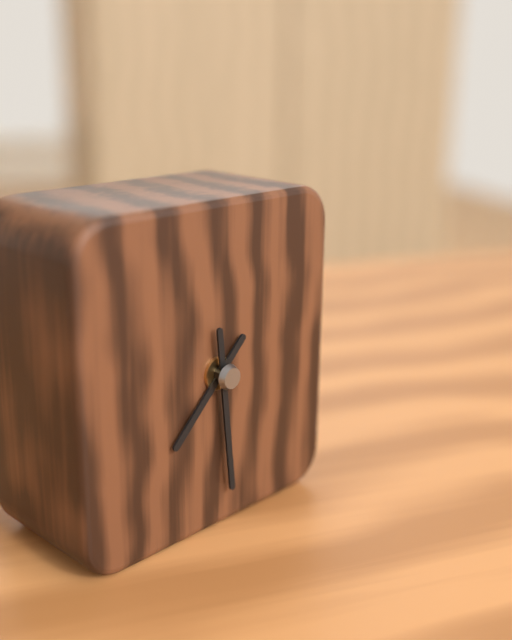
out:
7 h 29 min
